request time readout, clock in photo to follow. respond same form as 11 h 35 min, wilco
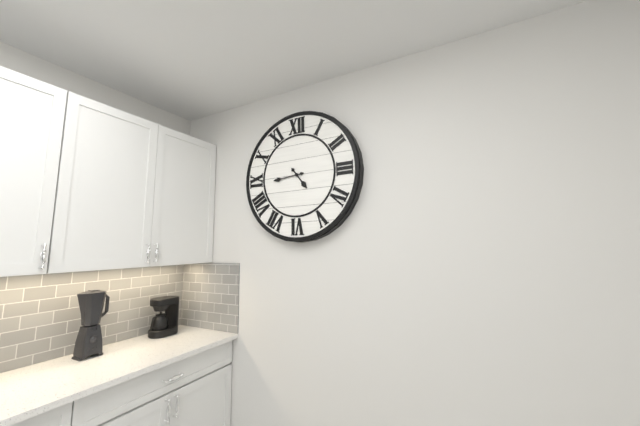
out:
4 h 44 min
